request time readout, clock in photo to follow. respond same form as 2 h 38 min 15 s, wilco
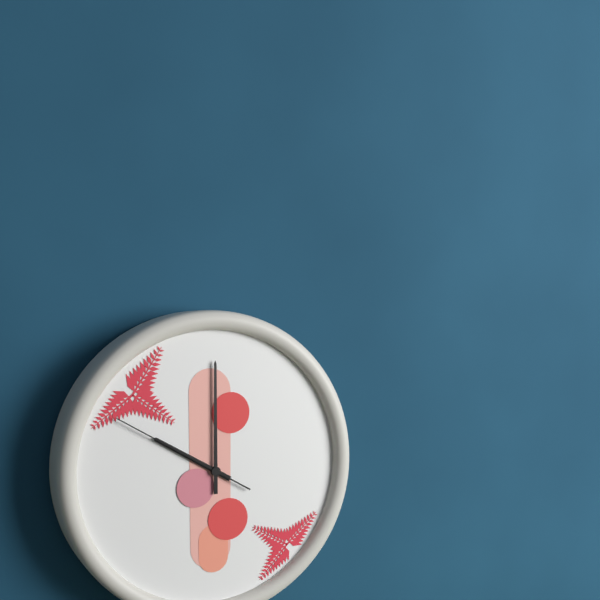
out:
10 h 00 min 50 s
